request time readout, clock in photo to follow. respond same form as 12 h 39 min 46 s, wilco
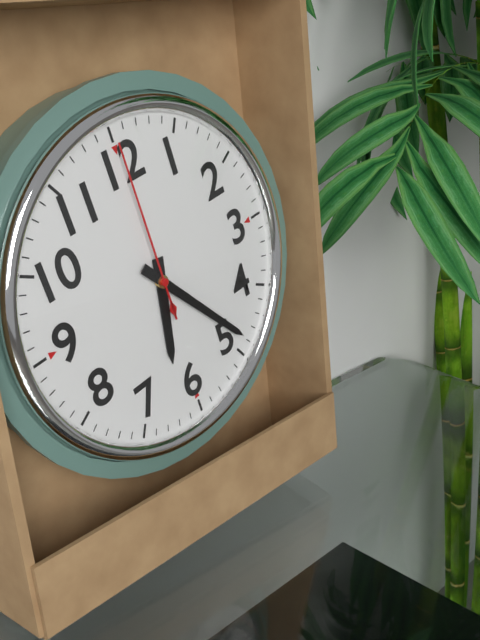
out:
6 h 24 min 00 s
